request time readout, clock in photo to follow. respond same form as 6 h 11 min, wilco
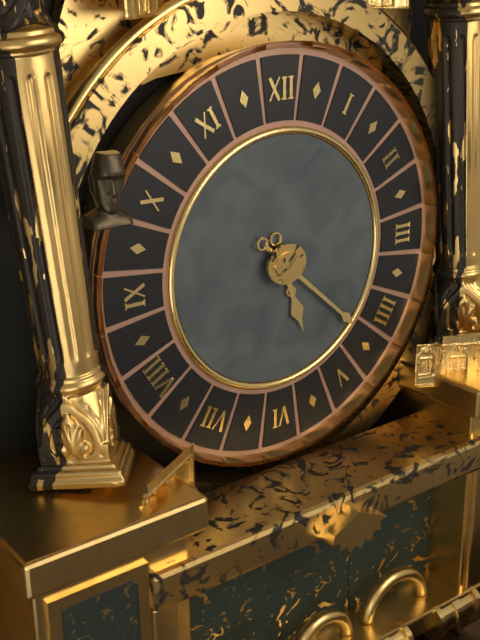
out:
5 h 22 min
